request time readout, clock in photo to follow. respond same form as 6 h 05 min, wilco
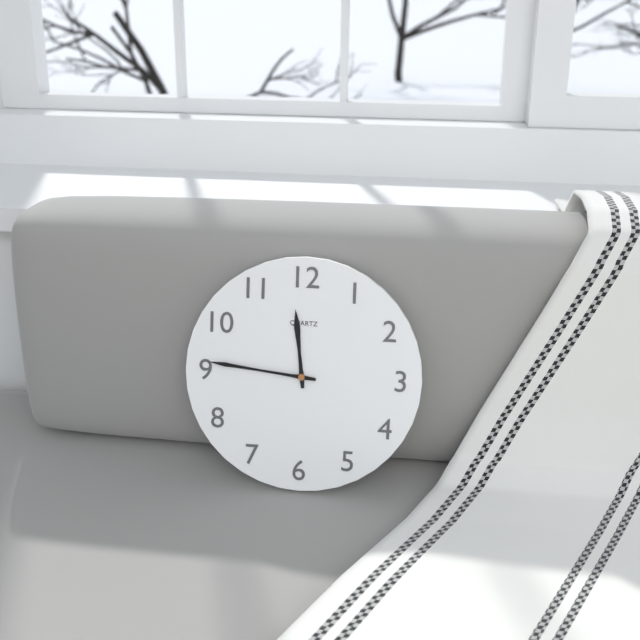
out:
11 h 46 min
